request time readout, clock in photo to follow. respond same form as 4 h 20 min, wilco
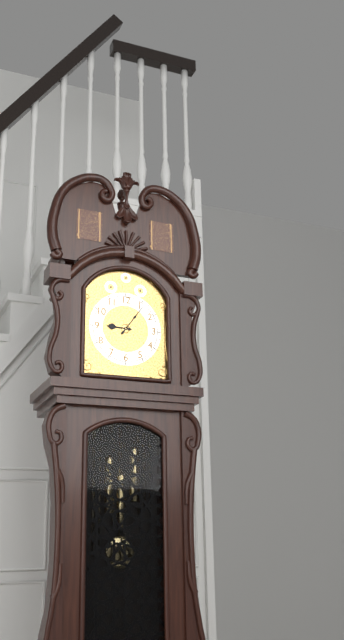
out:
9 h 06 min
